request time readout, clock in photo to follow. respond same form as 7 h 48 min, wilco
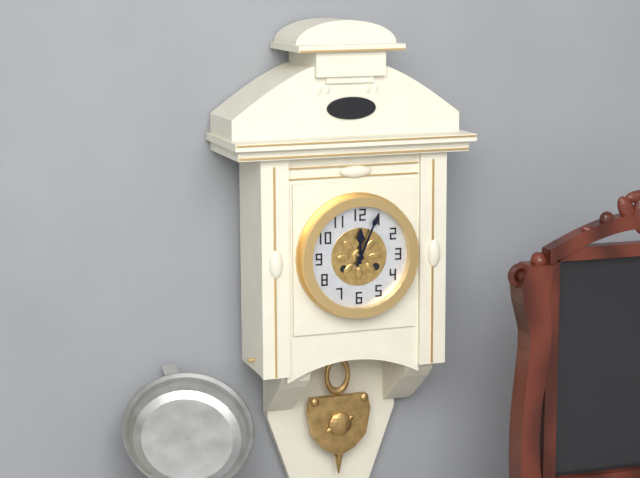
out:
12 h 04 min
